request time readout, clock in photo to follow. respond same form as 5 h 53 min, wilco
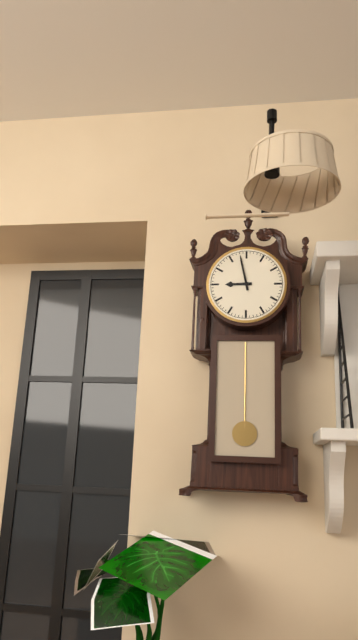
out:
8 h 58 min
